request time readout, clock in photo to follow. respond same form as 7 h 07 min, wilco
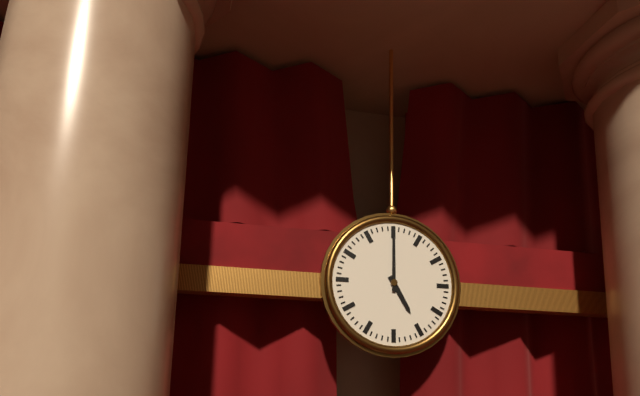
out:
5 h 00 min
